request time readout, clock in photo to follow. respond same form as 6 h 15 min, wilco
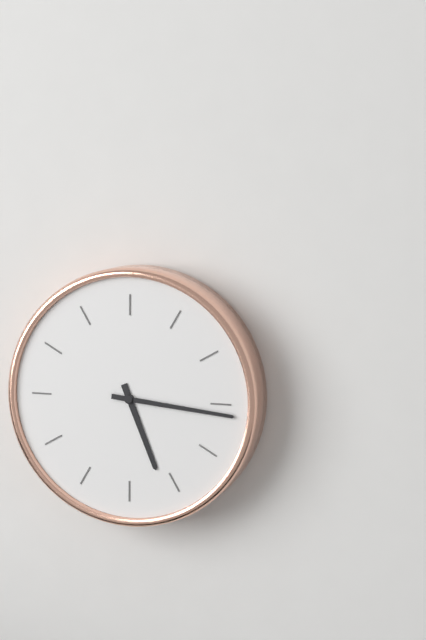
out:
5 h 16 min
